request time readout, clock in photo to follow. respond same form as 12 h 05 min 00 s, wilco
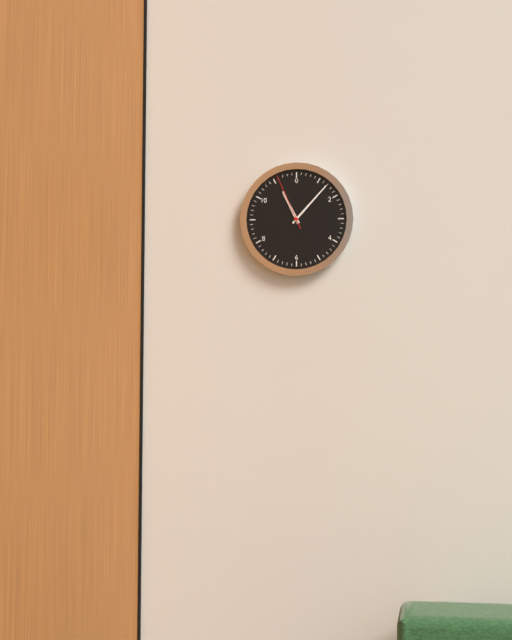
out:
11 h 07 min 56 s
